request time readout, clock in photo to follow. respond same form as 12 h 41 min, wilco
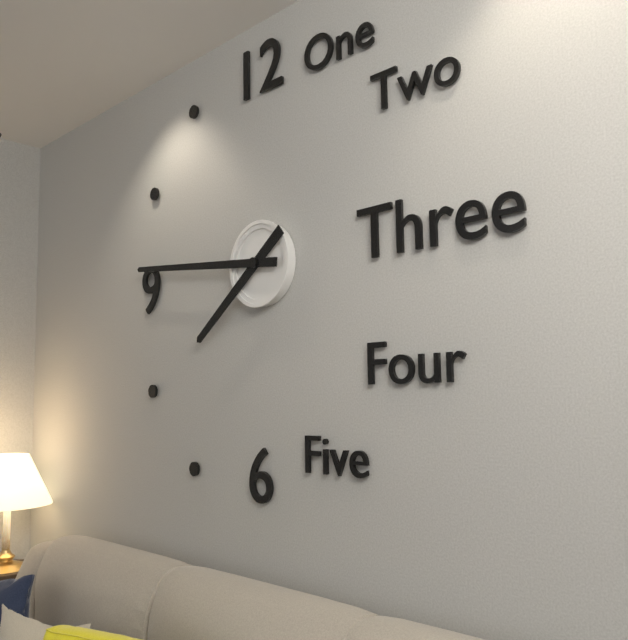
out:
7 h 46 min
